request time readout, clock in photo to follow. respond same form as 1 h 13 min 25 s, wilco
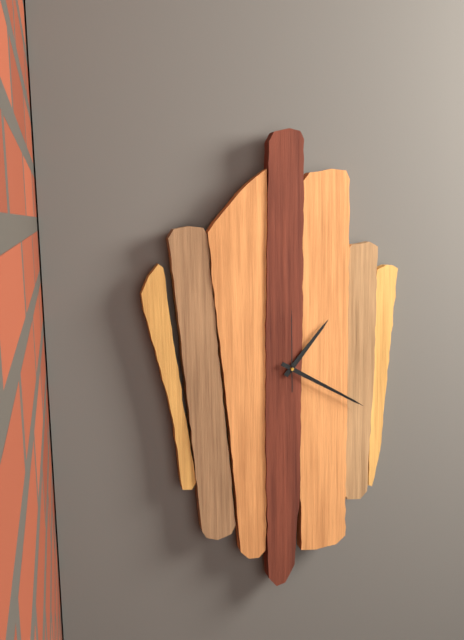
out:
1 h 20 min 00 s
